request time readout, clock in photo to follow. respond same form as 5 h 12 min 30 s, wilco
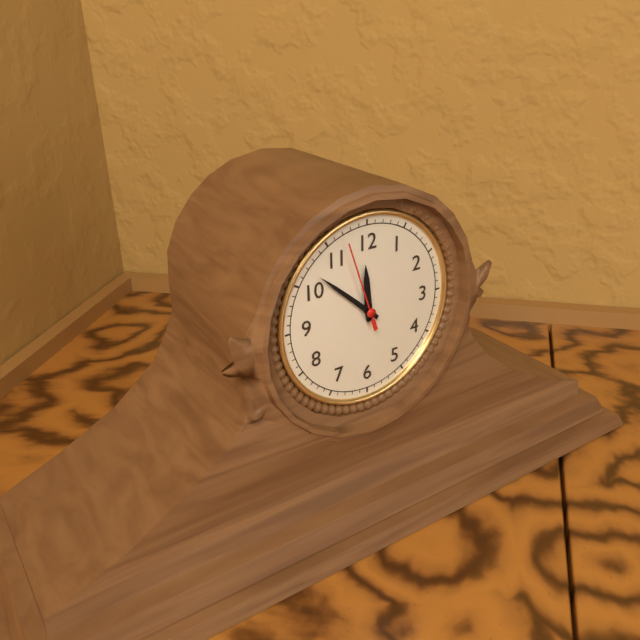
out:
11 h 52 min 57 s
